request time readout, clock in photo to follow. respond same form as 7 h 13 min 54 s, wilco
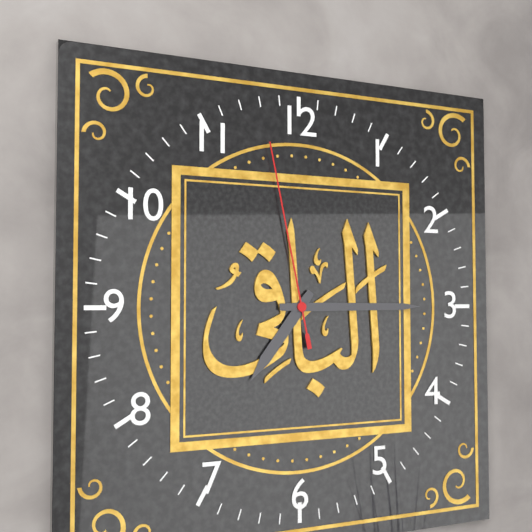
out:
7 h 15 min 58 s
